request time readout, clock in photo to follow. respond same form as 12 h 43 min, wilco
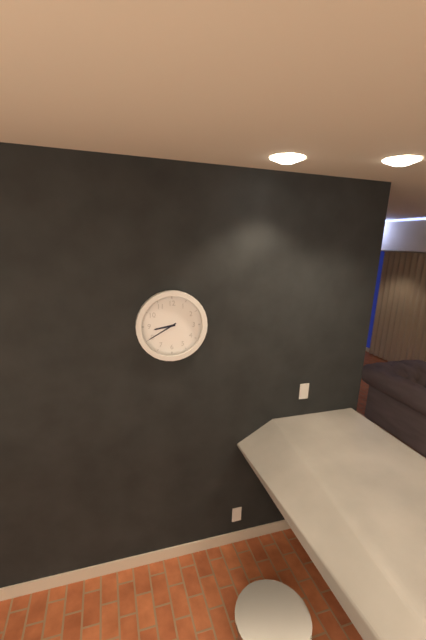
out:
8 h 40 min
